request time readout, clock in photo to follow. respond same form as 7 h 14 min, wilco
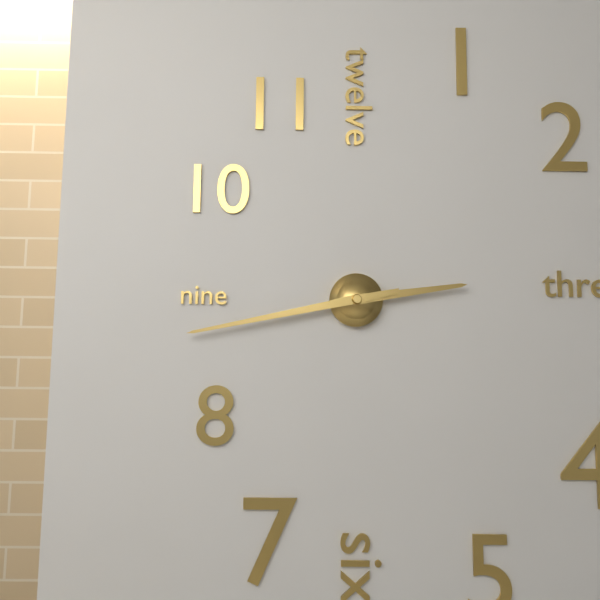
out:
2 h 43 min
